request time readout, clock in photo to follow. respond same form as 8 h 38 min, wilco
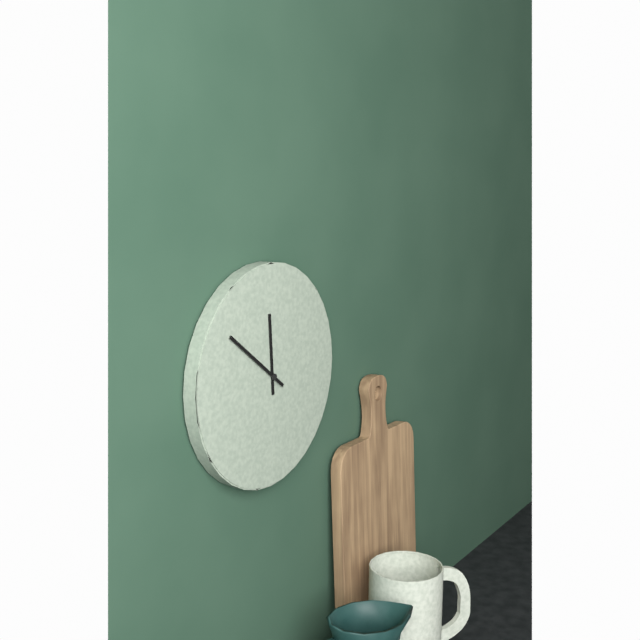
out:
11 h 51 min
